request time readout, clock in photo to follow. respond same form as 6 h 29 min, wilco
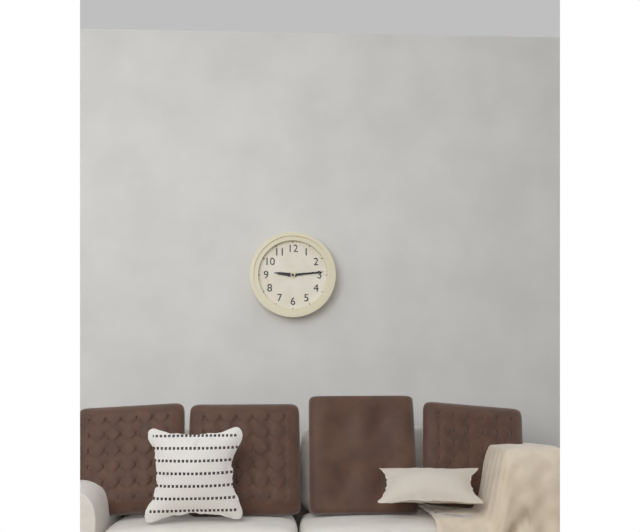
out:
9 h 14 min
